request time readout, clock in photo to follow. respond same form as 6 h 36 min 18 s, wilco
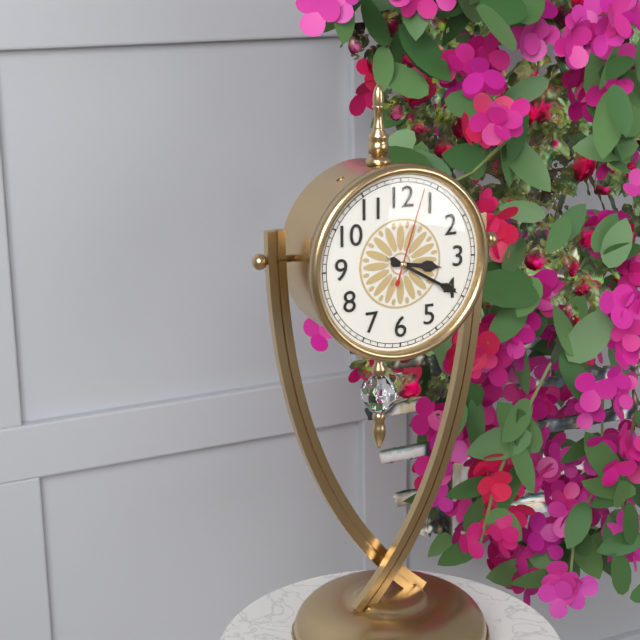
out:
3 h 20 min 03 s
